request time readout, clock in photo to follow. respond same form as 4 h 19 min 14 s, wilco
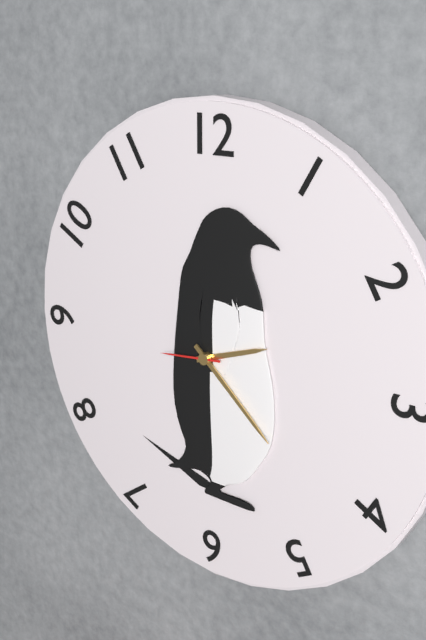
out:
2 h 22 min 44 s
